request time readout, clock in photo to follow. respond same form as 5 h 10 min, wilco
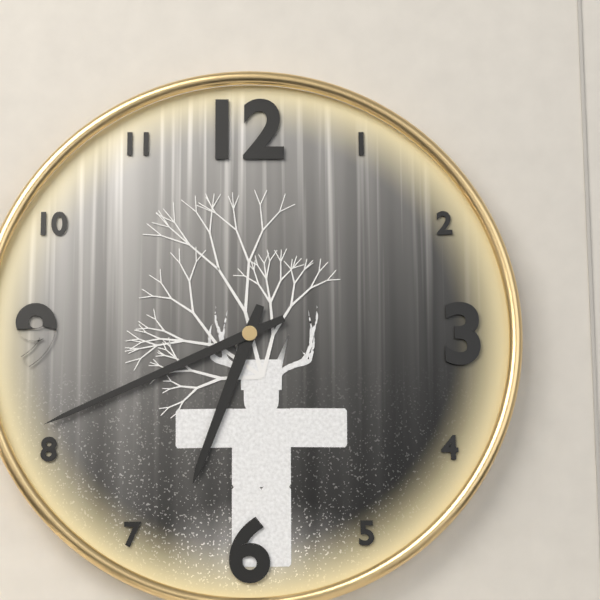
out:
6 h 41 min
